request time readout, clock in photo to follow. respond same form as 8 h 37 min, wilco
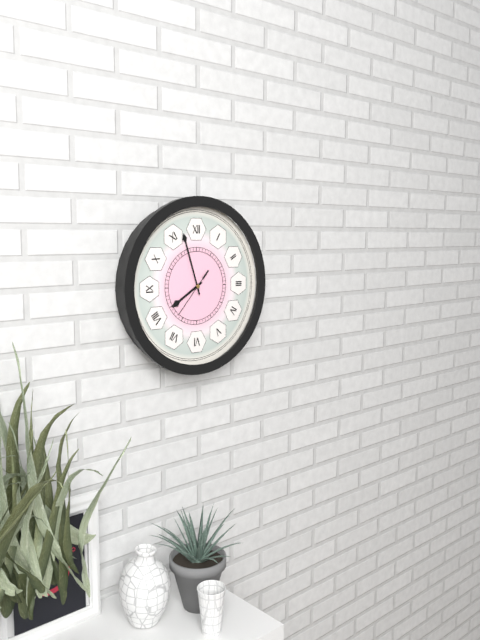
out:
7 h 57 min
